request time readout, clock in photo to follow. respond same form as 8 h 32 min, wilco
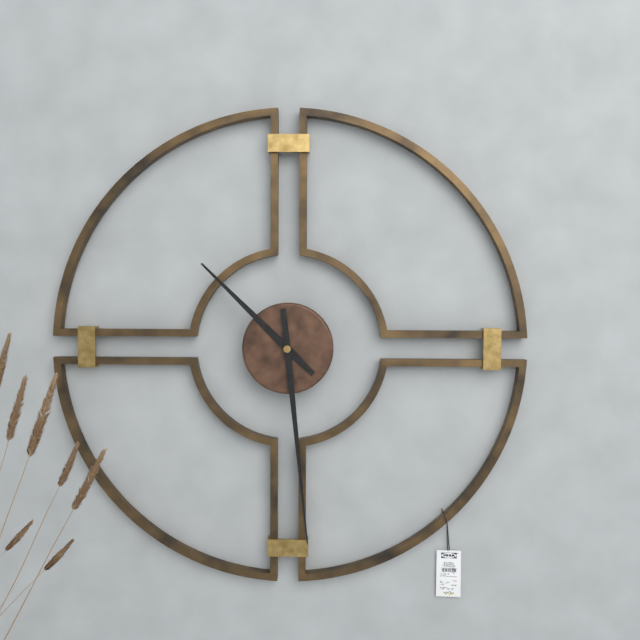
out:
10 h 29 min
